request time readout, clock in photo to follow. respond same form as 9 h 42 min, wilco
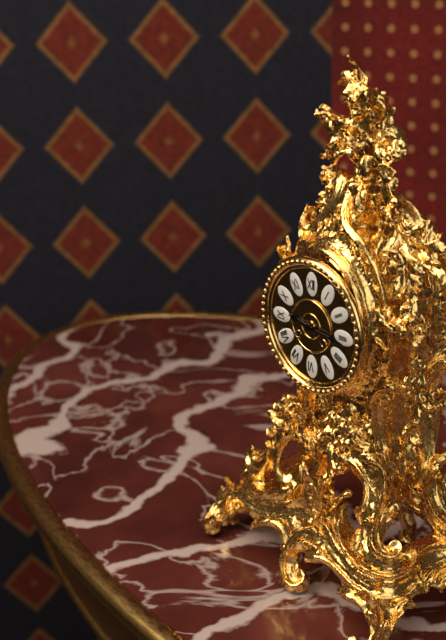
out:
9 h 16 min
